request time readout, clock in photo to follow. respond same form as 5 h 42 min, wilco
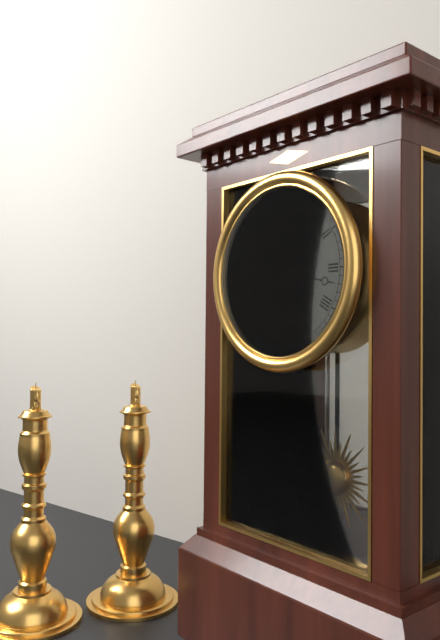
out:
6 h 17 min
